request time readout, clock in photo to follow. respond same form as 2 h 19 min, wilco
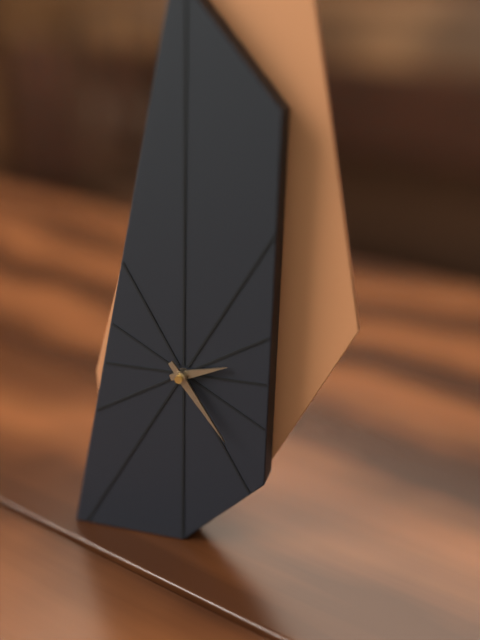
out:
2 h 24 min
